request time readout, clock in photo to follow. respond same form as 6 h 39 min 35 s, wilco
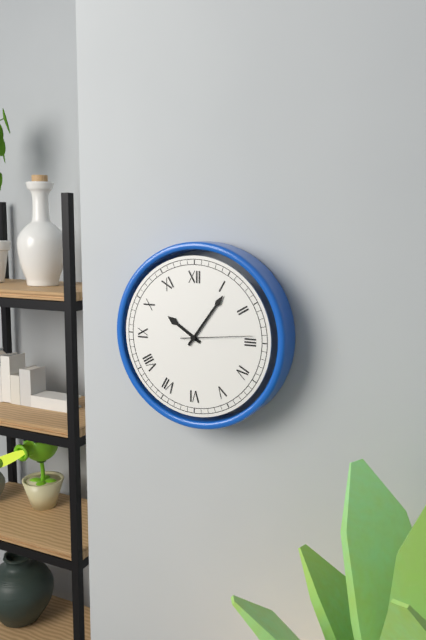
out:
10 h 06 min 14 s
